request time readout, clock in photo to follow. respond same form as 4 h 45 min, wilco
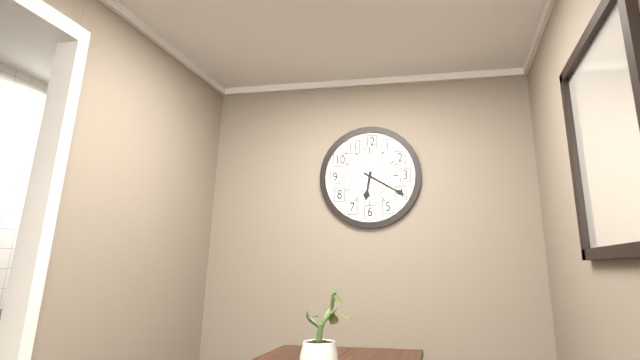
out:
6 h 20 min
